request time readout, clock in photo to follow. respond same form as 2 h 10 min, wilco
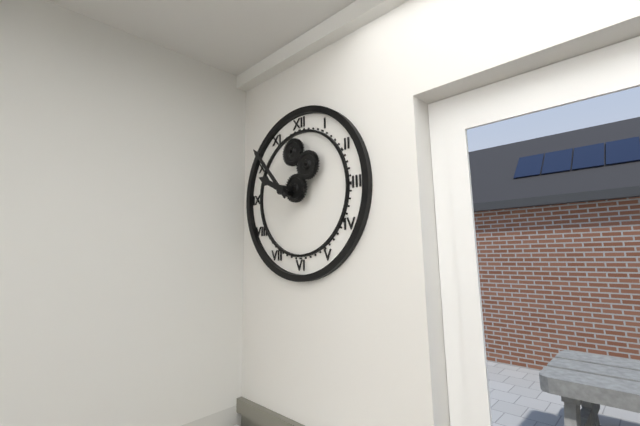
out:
9 h 53 min
